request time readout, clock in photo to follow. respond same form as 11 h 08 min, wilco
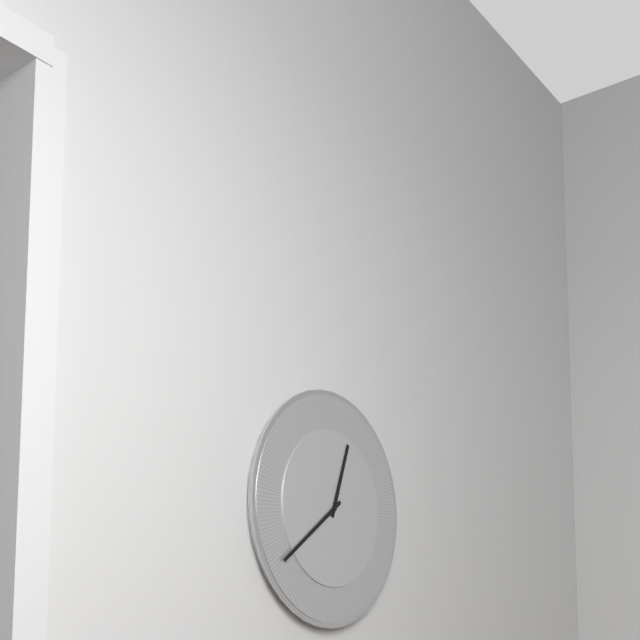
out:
12 h 39 min
